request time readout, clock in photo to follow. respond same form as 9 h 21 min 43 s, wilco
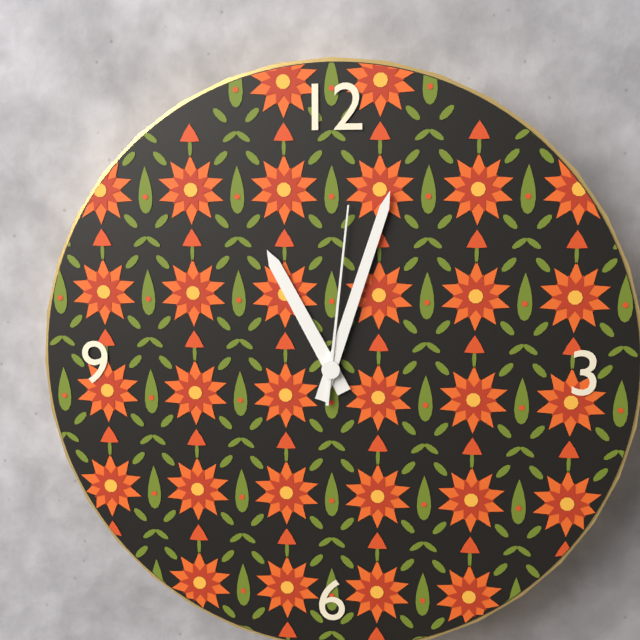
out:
11 h 03 min 01 s
